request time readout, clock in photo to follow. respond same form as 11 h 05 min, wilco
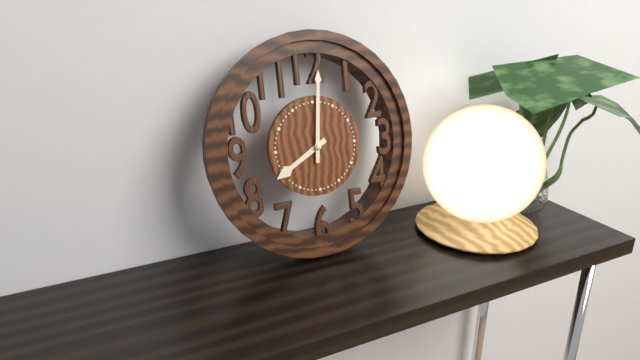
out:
8 h 01 min
